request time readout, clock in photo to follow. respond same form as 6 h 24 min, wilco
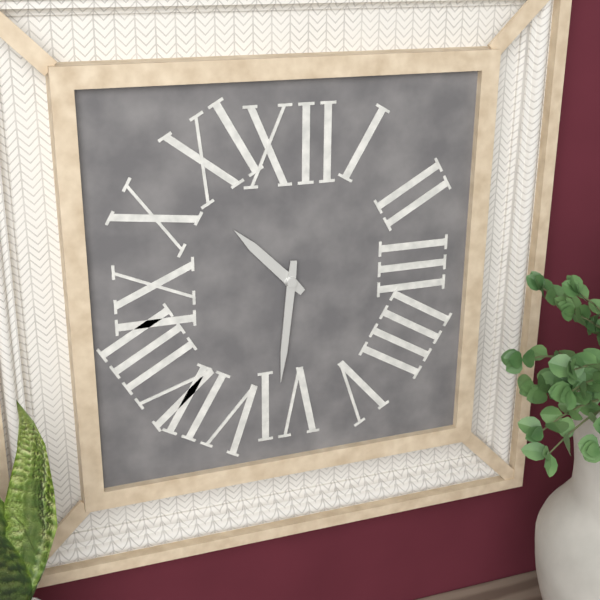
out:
10 h 31 min
